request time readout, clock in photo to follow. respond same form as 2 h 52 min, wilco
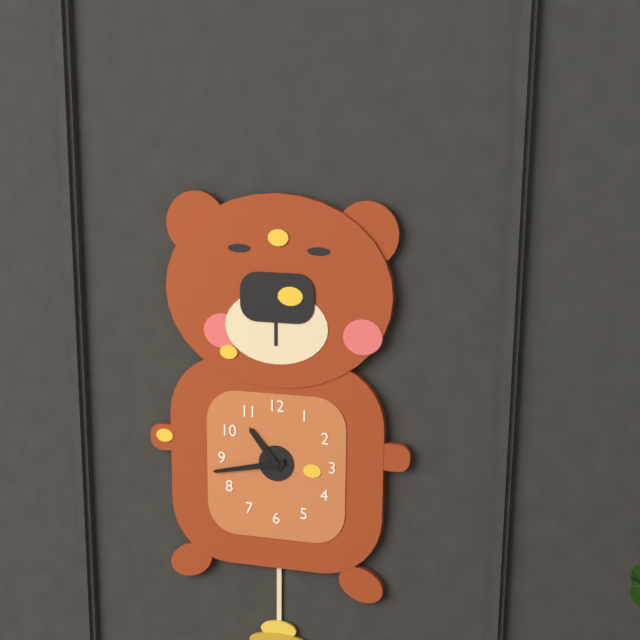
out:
10 h 43 min
